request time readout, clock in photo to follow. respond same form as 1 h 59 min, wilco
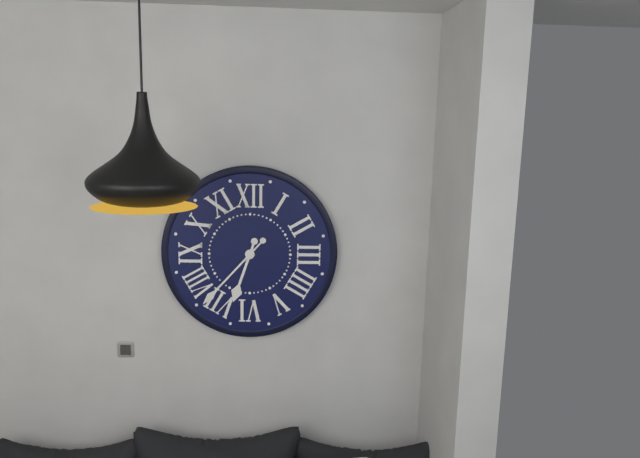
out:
6 h 37 min
